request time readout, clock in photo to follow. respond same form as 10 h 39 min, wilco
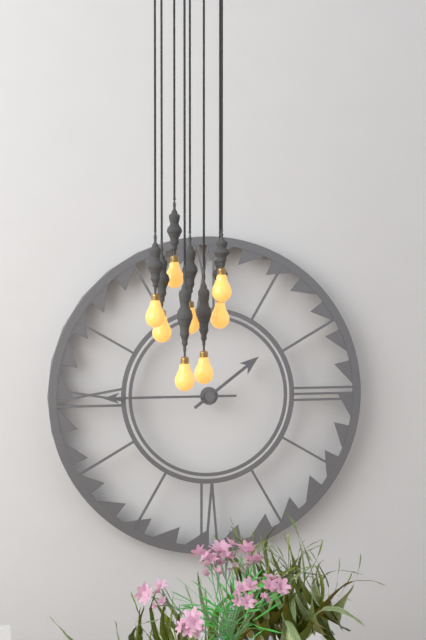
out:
1 h 45 min
